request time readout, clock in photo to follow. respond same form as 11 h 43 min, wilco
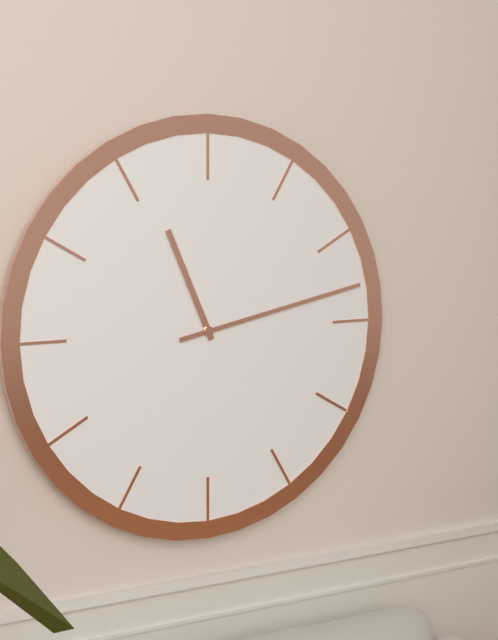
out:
11 h 13 min
